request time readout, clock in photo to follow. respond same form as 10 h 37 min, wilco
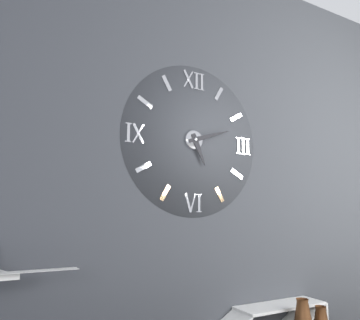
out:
5 h 12 min
